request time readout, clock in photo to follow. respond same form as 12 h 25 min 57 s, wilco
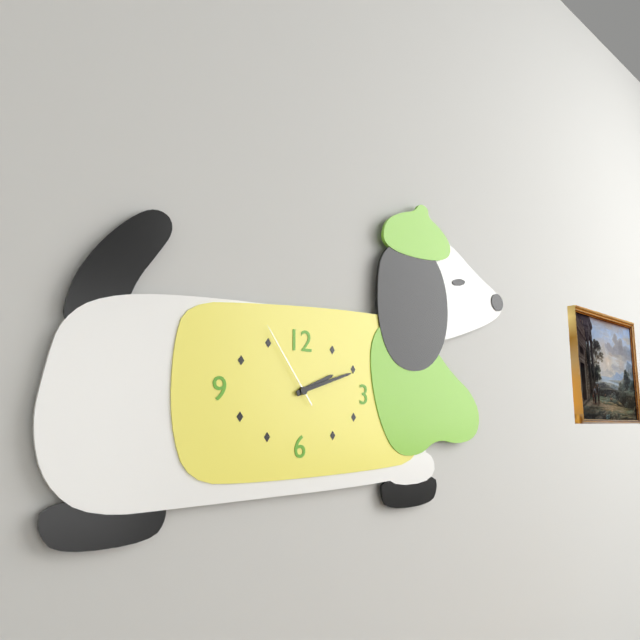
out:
2 h 12 min 54 s
